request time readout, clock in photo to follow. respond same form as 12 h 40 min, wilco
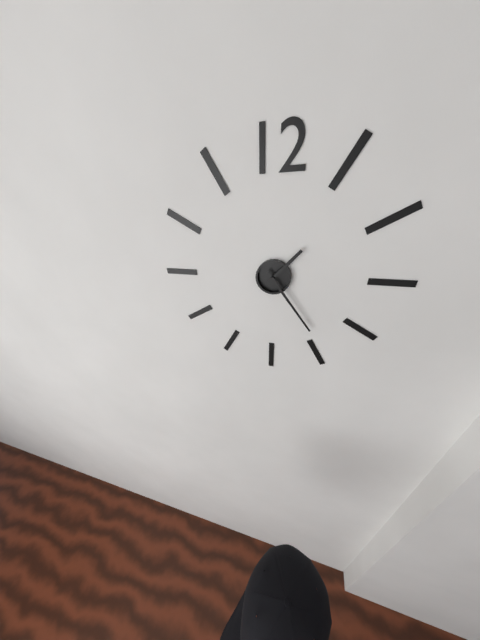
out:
1 h 24 min
